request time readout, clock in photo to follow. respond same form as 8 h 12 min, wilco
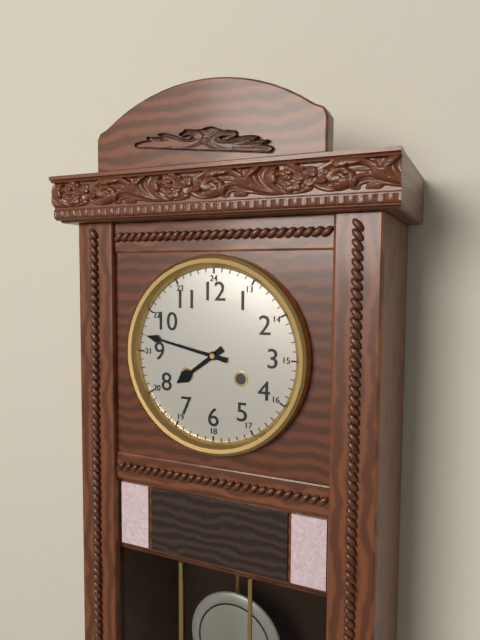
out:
7 h 47 min
